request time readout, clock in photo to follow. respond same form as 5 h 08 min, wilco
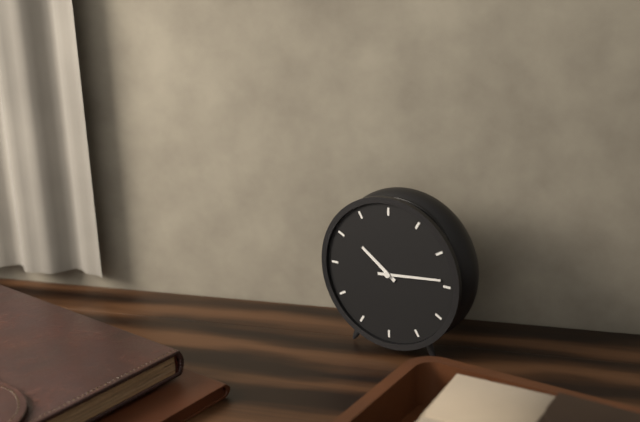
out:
10 h 14 min
